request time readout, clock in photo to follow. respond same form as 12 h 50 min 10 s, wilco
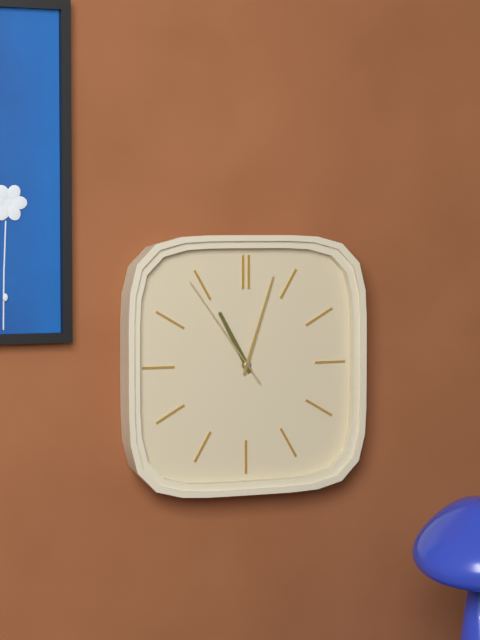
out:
11 h 03 min 54 s
